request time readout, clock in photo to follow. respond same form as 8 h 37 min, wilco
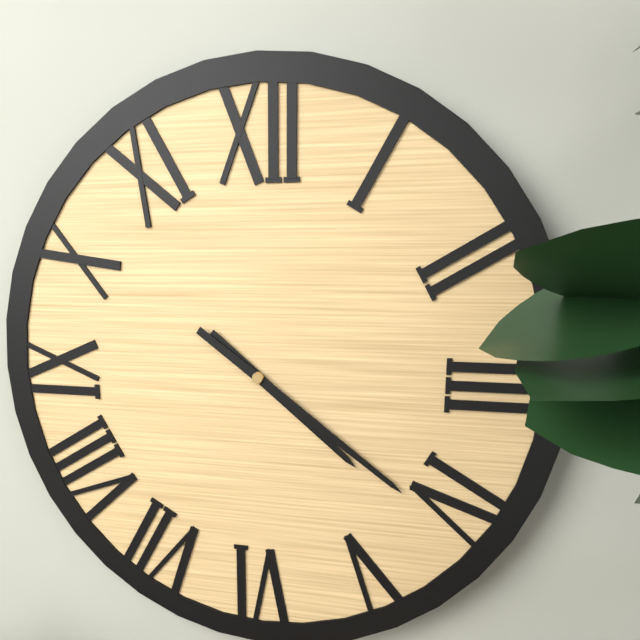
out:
4 h 21 min
